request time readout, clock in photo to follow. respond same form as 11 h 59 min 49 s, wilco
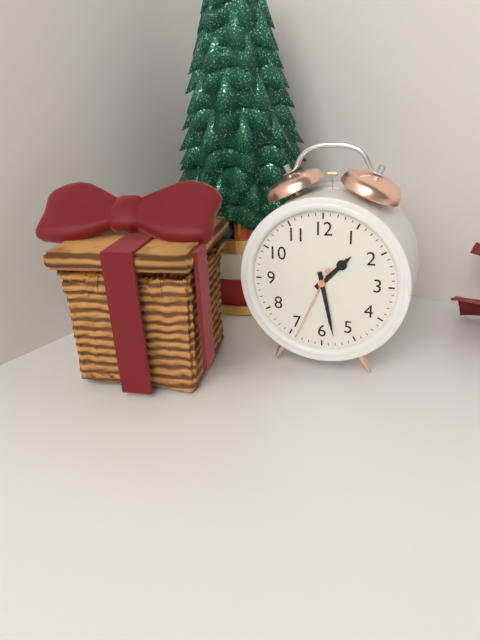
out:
1 h 28 min 34 s
